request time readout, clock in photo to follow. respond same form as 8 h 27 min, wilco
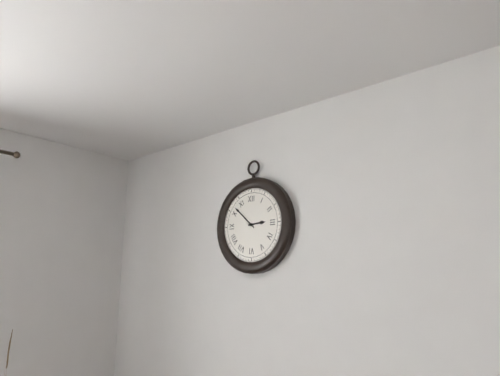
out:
2 h 52 min
